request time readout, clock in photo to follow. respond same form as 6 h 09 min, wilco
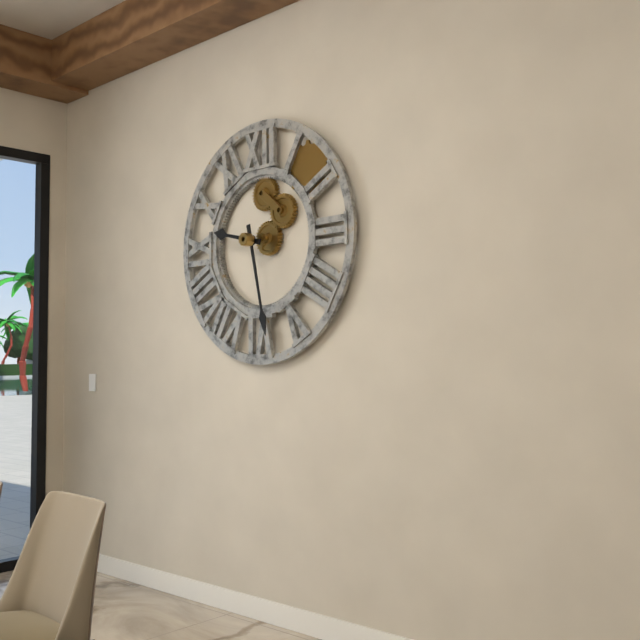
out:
9 h 28 min
